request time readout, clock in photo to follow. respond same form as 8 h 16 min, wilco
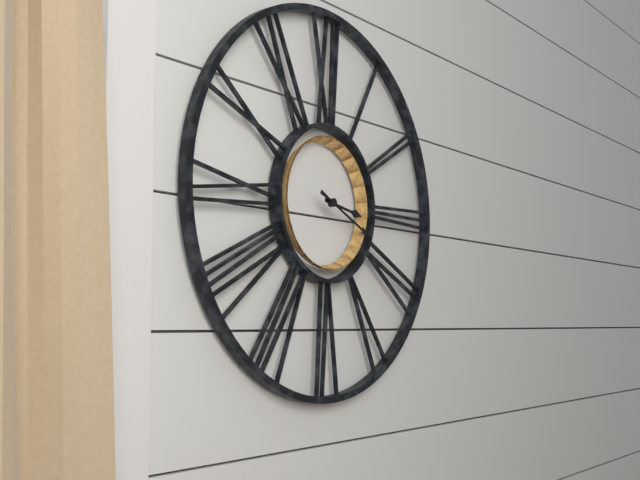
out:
3 h 19 min
